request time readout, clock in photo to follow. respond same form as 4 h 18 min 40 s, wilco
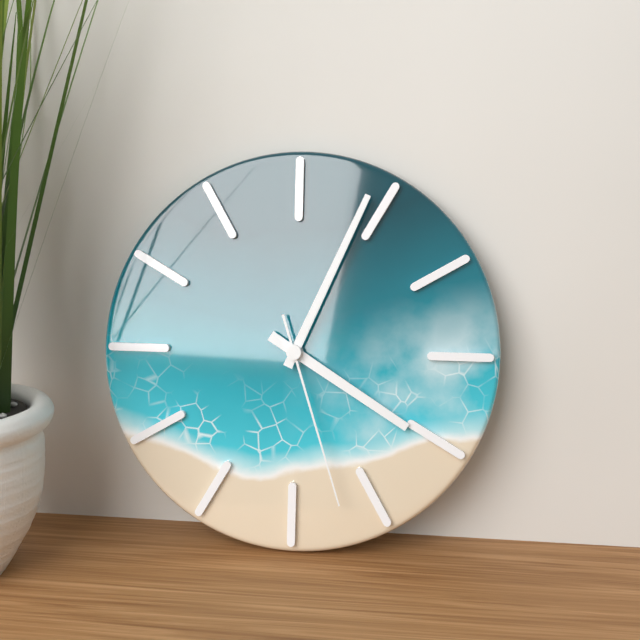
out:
4 h 04 min 27 s
